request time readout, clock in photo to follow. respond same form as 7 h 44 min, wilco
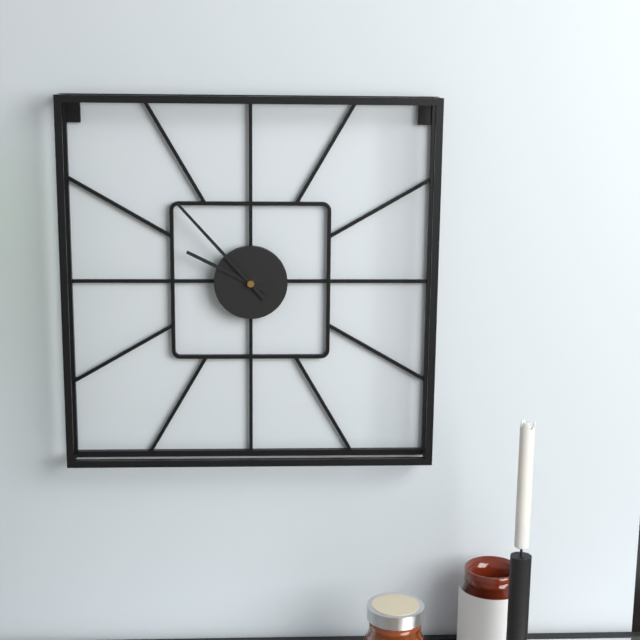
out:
9 h 53 min
